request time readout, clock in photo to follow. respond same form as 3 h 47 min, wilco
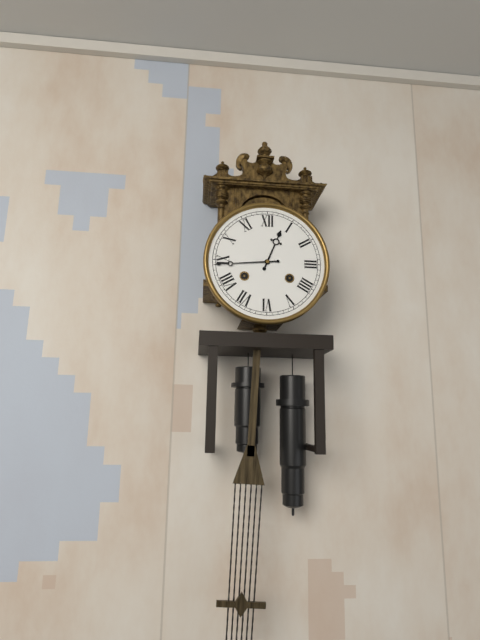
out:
12 h 44 min
